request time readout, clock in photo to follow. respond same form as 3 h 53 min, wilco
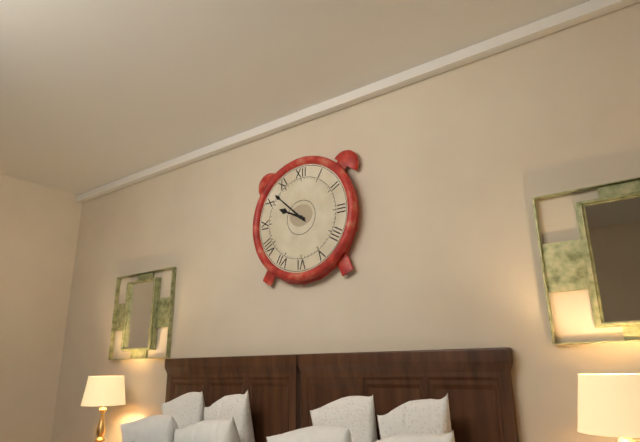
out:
9 h 52 min
